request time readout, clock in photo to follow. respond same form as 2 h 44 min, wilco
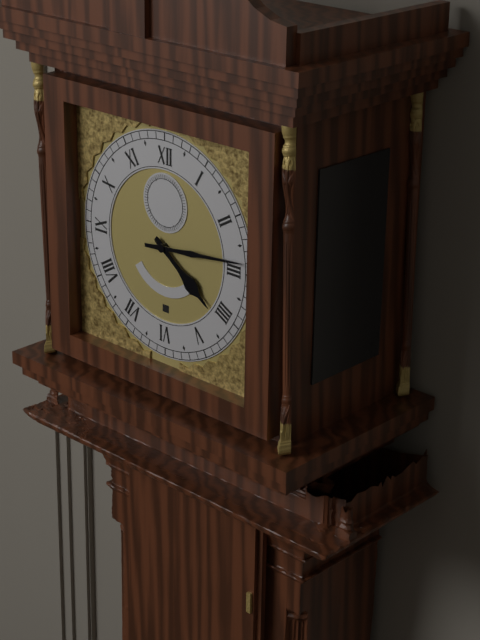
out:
4 h 14 min
